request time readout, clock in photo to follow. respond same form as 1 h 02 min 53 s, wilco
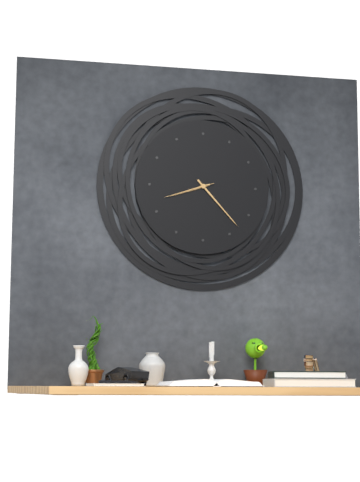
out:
8 h 23 min 42 s
